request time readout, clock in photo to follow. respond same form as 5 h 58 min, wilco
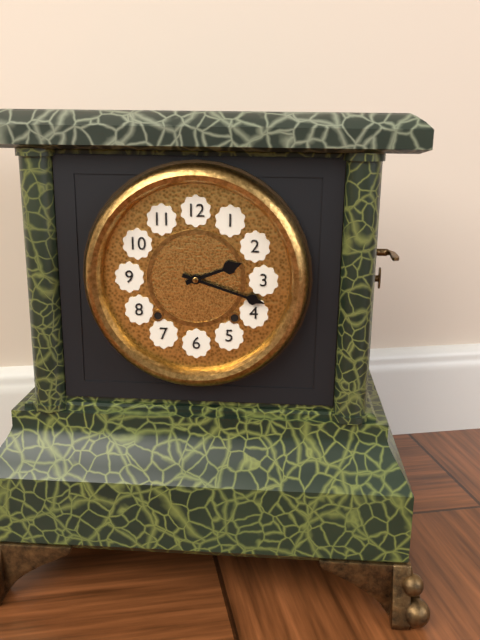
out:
2 h 18 min
